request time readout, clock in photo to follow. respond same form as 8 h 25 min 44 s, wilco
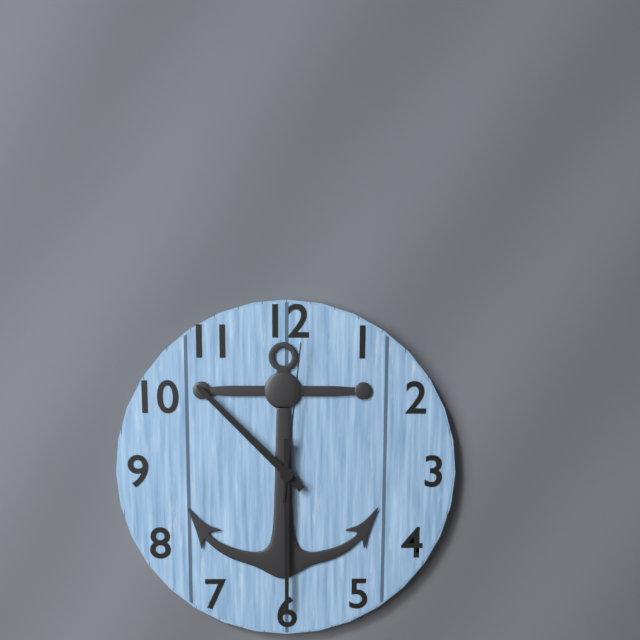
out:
10 h 30 min 01 s
